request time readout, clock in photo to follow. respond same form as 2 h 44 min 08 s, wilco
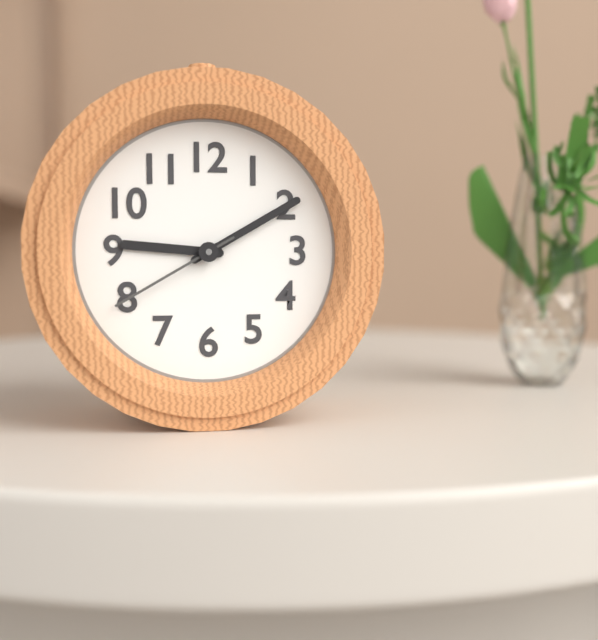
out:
9 h 10 min 40 s
